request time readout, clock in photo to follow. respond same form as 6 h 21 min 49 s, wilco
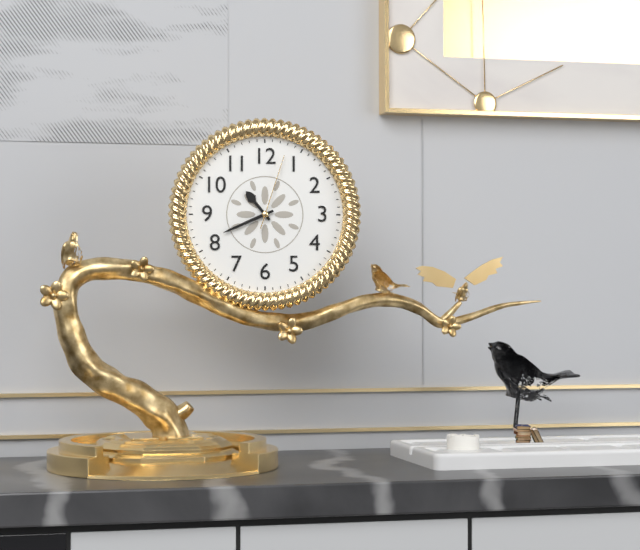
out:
10 h 41 min 03 s
